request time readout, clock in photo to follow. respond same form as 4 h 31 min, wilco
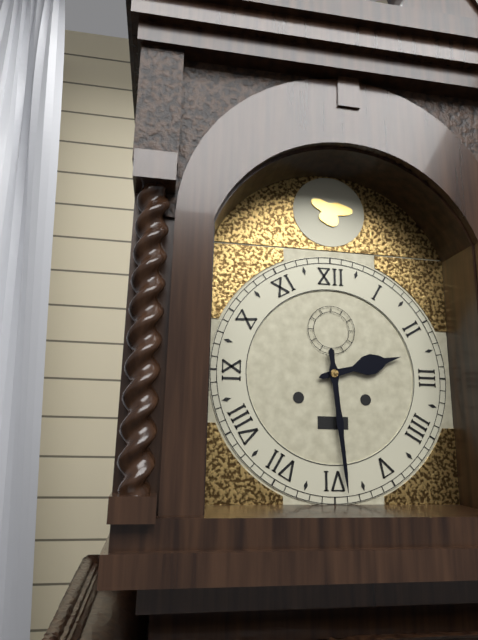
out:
2 h 29 min
